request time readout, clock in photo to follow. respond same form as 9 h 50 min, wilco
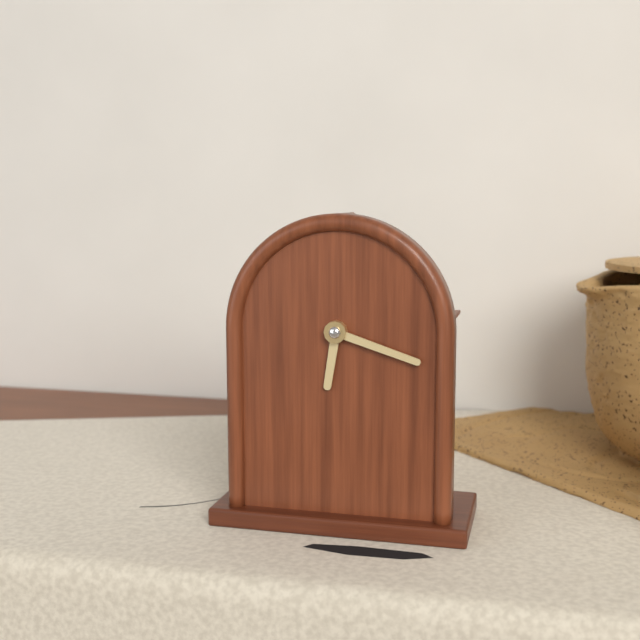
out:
6 h 18 min
